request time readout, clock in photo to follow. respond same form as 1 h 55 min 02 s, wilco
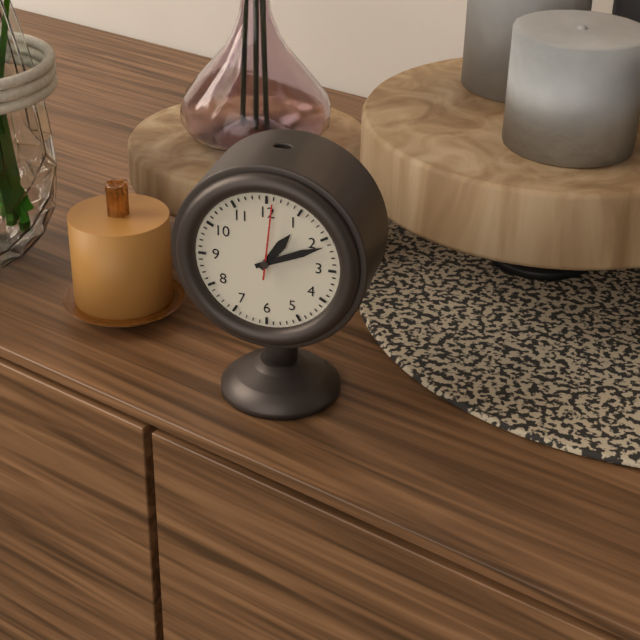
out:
1 h 11 min 01 s
